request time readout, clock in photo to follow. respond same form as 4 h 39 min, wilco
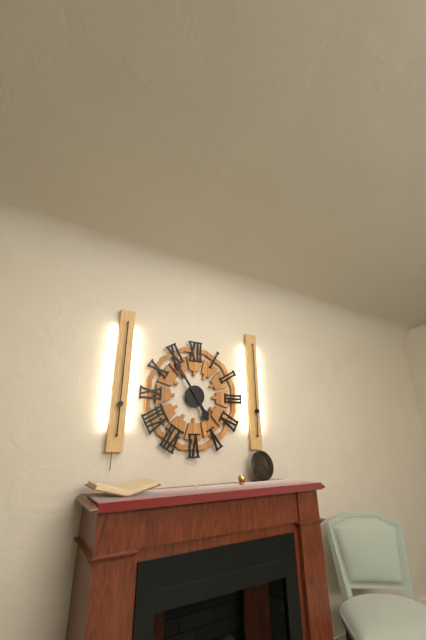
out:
4 h 54 min
